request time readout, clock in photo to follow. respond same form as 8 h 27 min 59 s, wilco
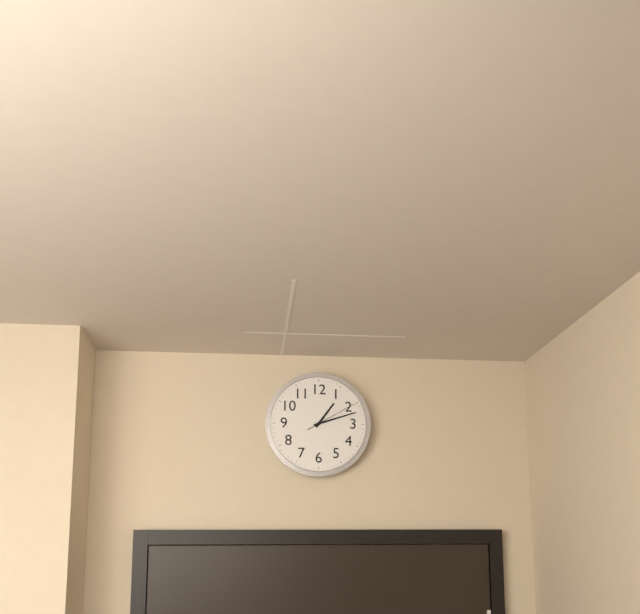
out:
1 h 12 min 10 s
